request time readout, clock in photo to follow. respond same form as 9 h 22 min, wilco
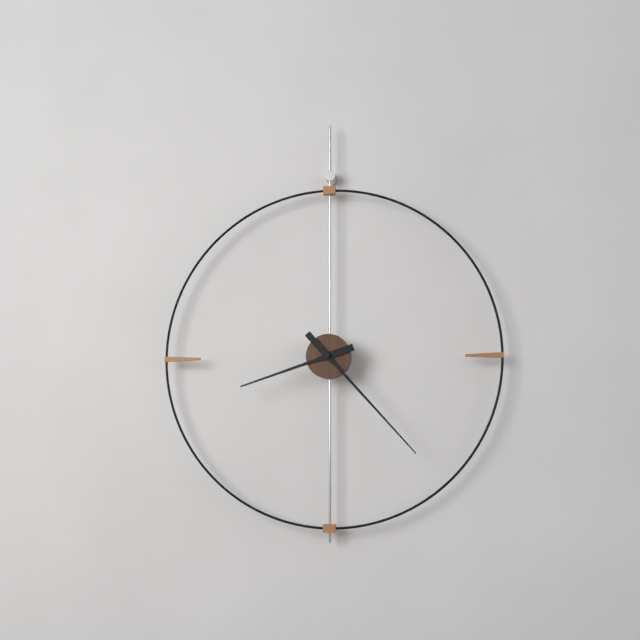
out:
8 h 23 min
